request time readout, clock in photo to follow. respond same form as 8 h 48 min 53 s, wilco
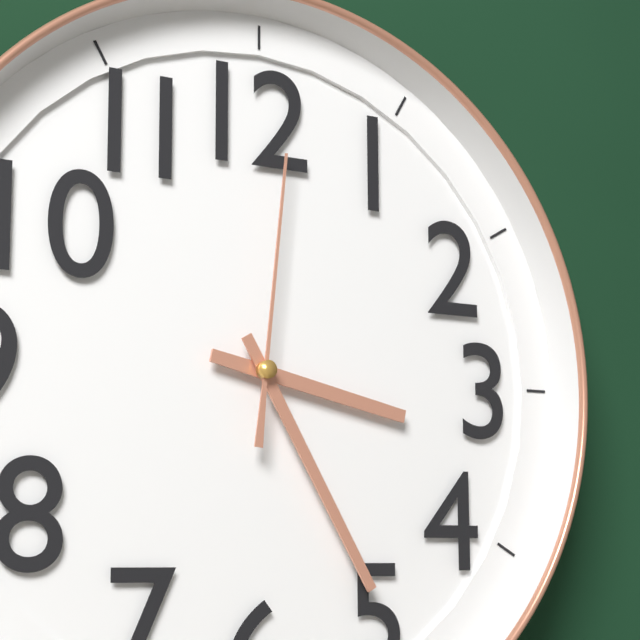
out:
3 h 25 min 01 s
